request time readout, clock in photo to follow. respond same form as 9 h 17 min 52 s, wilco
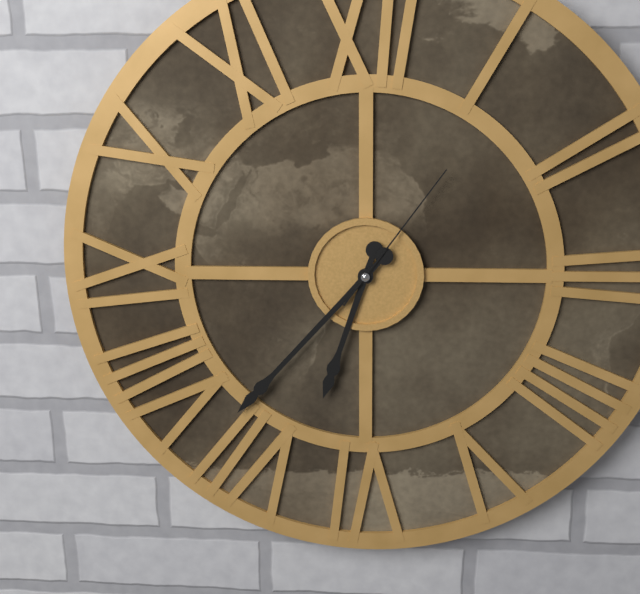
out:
6 h 37 min 06 s
